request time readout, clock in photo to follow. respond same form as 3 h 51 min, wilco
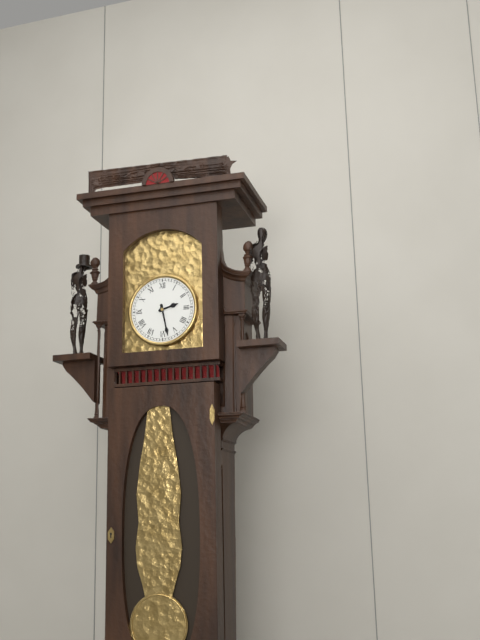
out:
2 h 28 min
